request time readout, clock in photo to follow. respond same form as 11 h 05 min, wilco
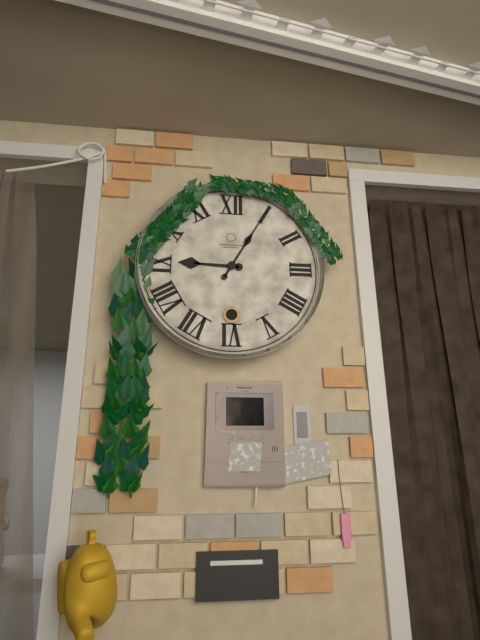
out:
9 h 05 min
